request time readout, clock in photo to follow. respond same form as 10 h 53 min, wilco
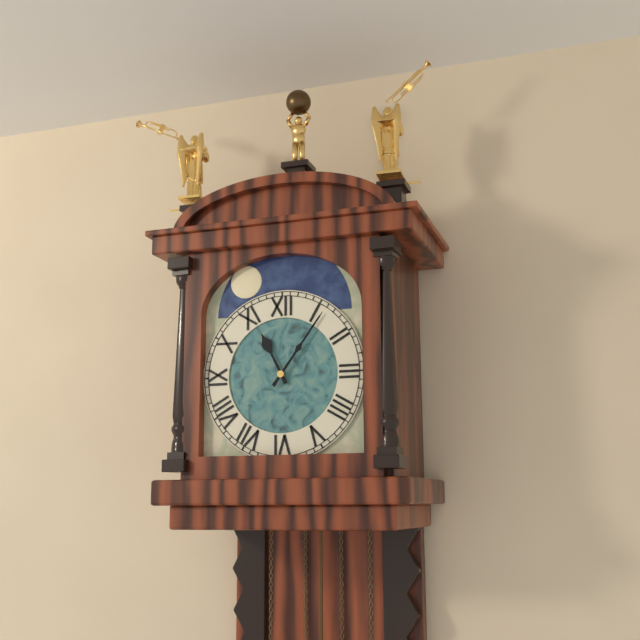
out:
11 h 06 min
